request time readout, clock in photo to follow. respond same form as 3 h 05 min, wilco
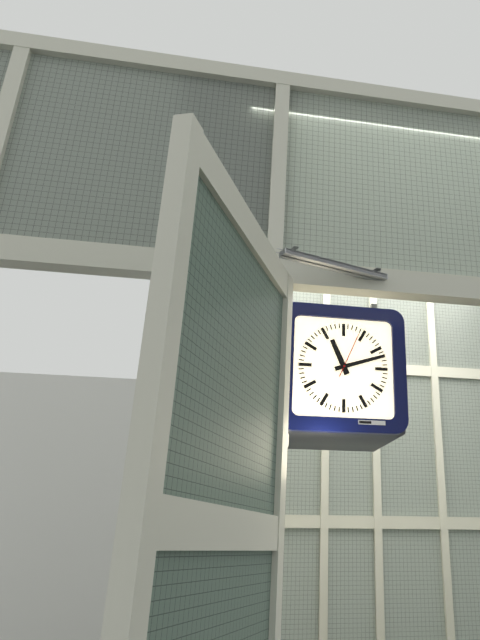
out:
11 h 12 min
